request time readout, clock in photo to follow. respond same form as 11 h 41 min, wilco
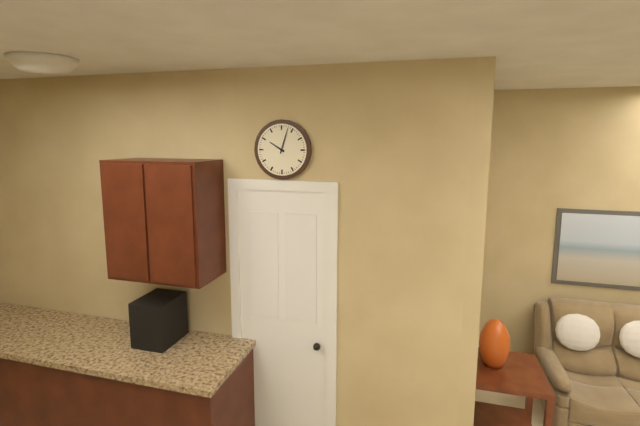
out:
10 h 03 min
